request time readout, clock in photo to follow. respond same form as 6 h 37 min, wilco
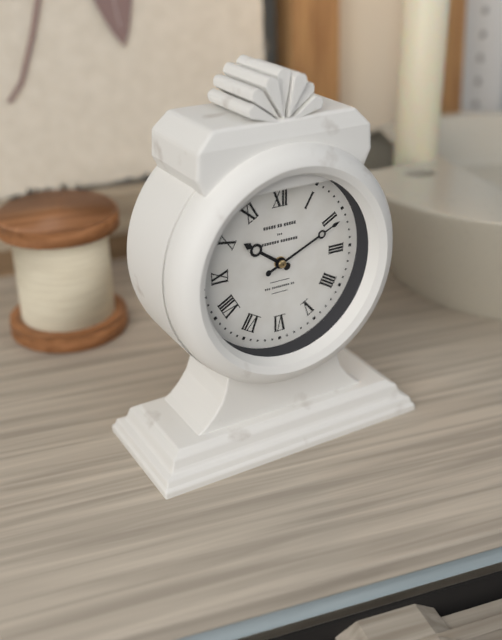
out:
10 h 11 min
